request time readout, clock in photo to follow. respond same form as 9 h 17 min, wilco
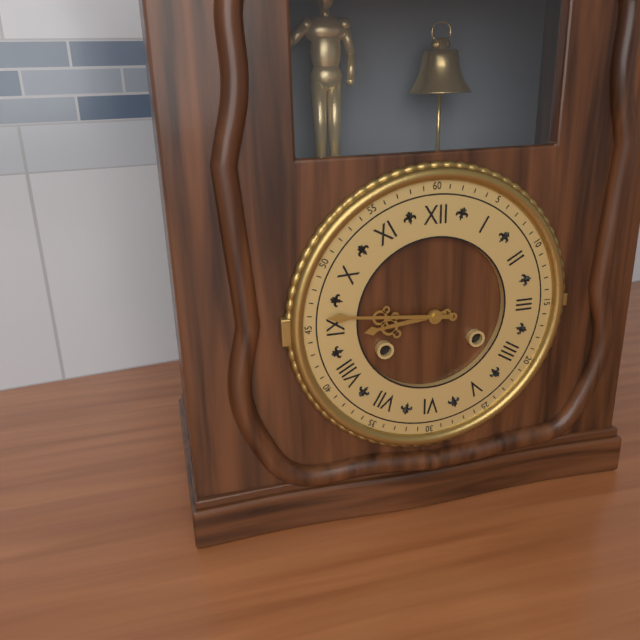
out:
8 h 46 min
